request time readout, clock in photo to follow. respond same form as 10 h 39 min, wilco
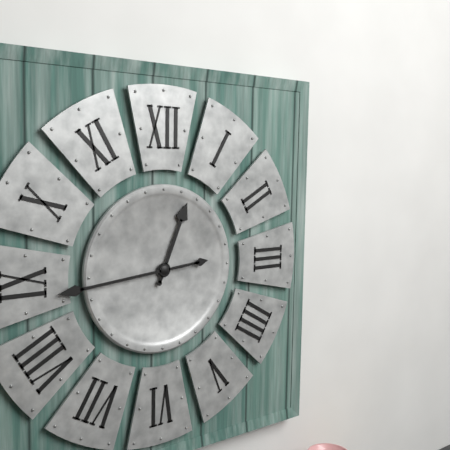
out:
12 h 44 min
